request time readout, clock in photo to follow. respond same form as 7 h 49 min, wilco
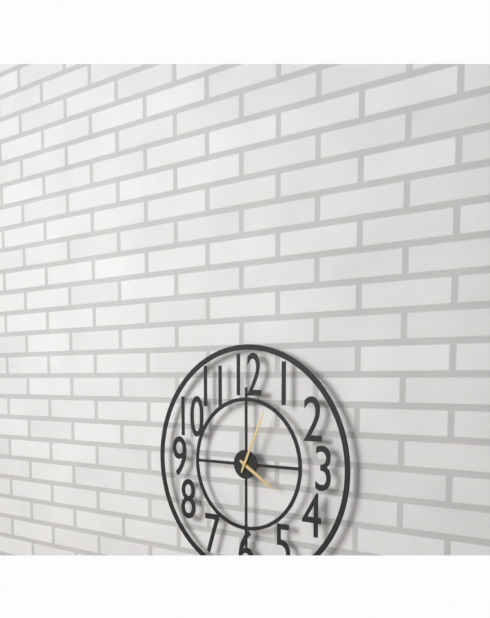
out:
4 h 04 min
